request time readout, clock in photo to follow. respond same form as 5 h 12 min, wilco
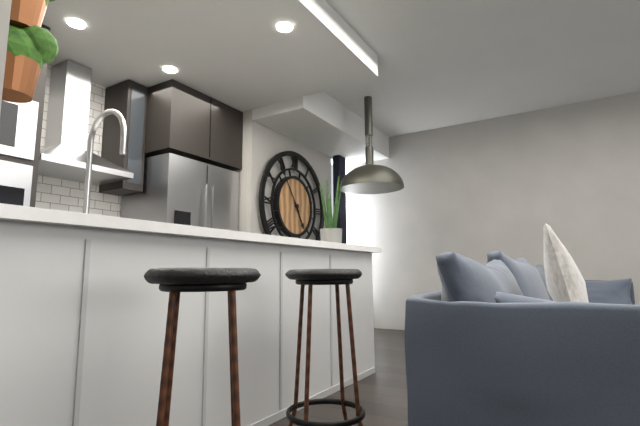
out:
4 h 54 min
